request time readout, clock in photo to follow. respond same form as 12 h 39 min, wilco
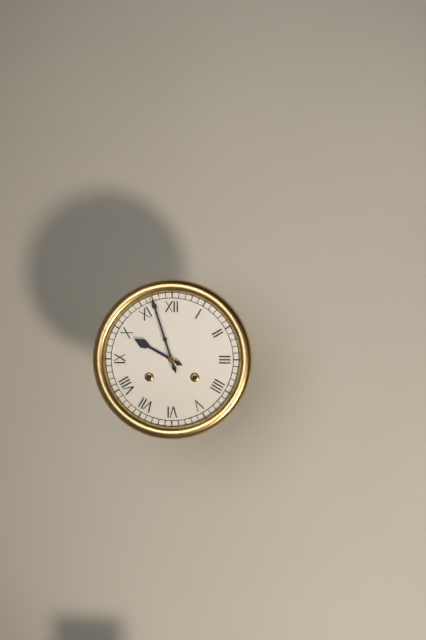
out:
9 h 57 min
